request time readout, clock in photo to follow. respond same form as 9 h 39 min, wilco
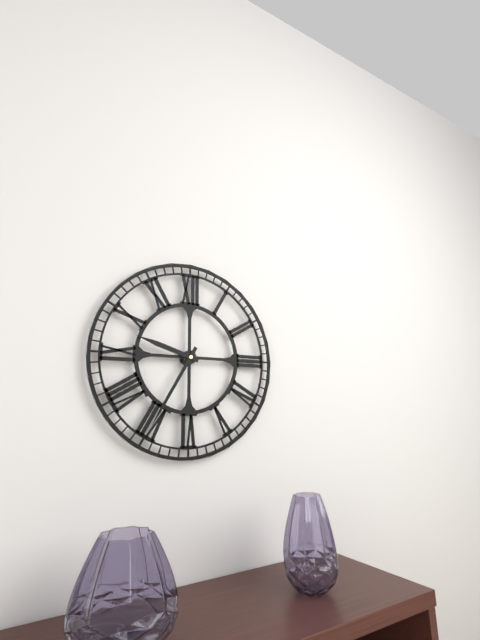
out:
9 h 35 min
